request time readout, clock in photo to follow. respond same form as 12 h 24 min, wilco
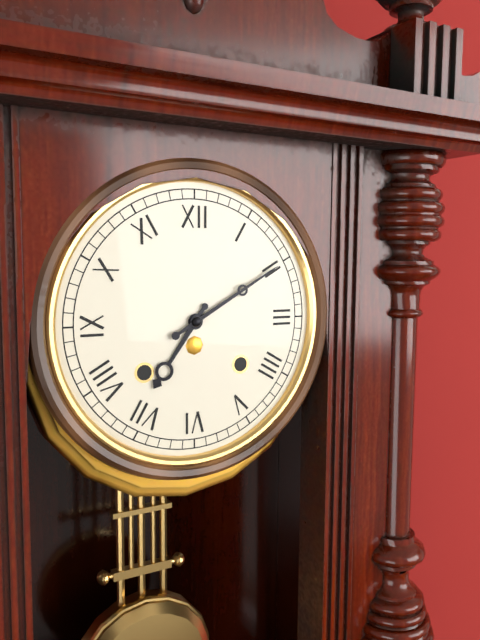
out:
7 h 10 min
